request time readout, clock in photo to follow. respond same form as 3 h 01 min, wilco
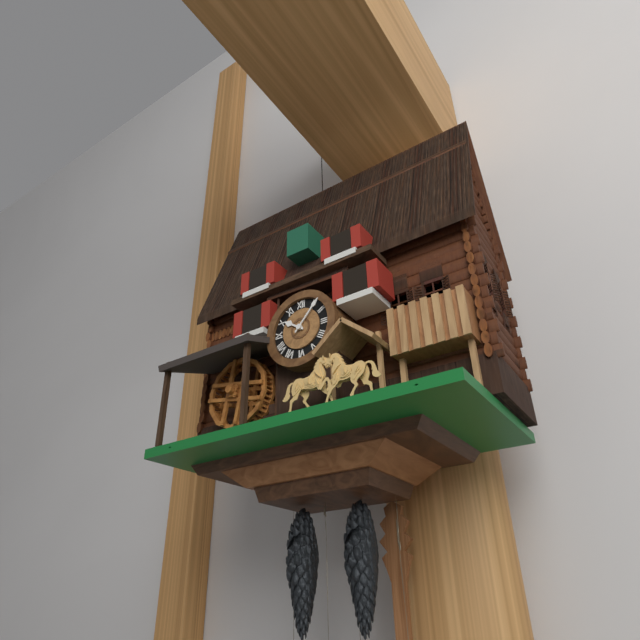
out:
10 h 07 min
